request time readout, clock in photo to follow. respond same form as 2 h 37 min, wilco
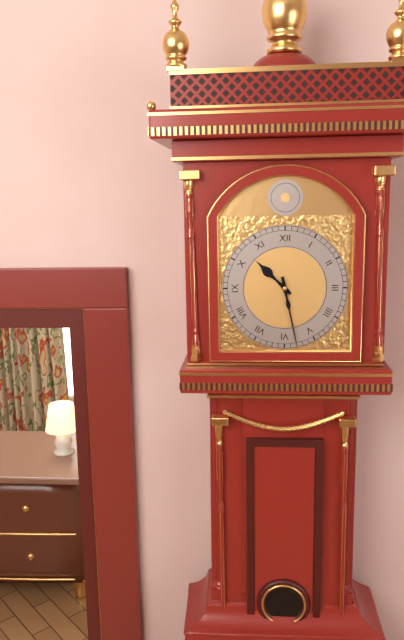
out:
10 h 28 min
